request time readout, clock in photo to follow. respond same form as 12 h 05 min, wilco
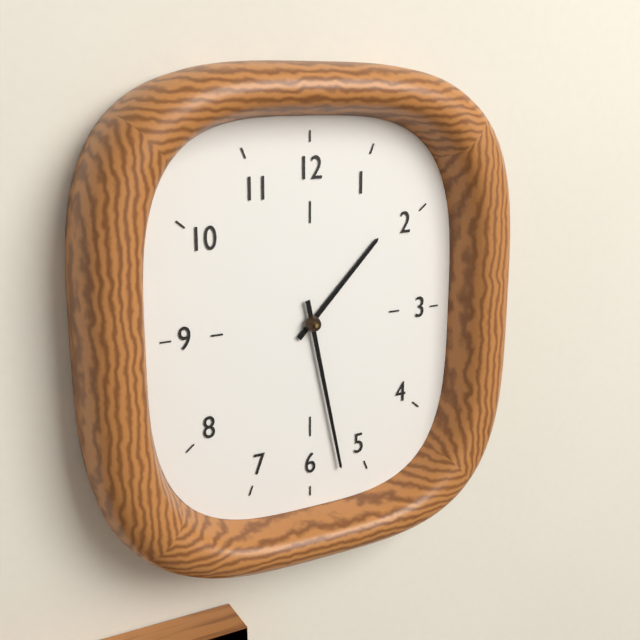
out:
1 h 28 min
